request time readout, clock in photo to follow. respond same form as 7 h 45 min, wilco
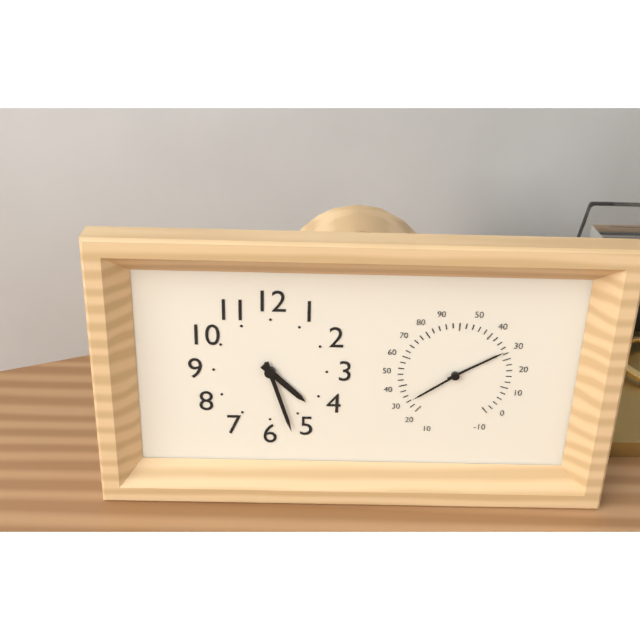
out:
4 h 27 min
